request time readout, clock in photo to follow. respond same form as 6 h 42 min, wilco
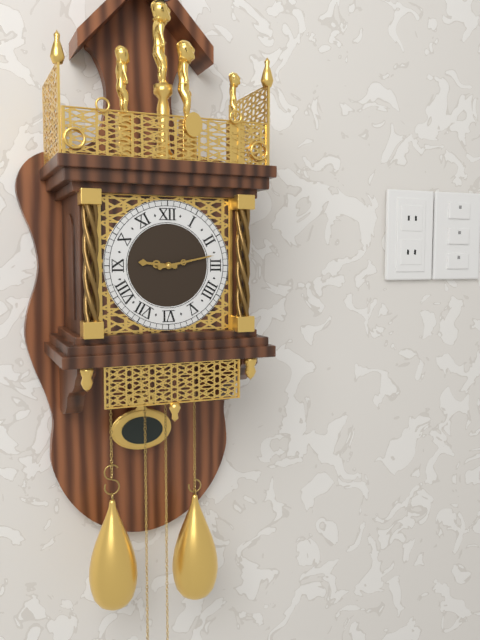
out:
9 h 13 min
